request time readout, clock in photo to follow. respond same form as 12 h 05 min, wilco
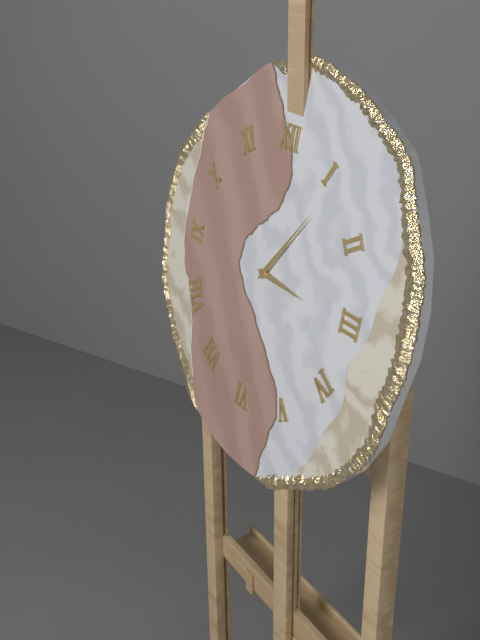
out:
3 h 06 min
